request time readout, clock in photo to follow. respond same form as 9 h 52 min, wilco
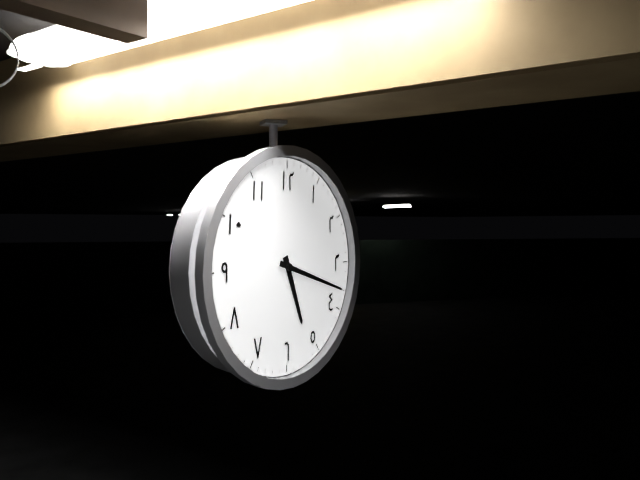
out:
5 h 18 min
